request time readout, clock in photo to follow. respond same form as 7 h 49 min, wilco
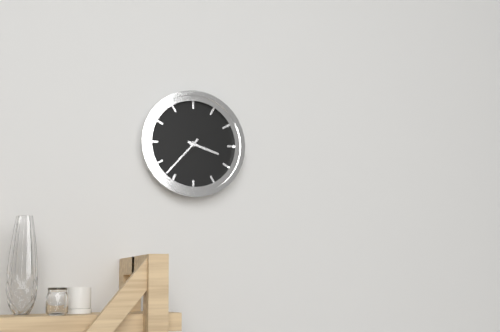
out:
3 h 37 min
